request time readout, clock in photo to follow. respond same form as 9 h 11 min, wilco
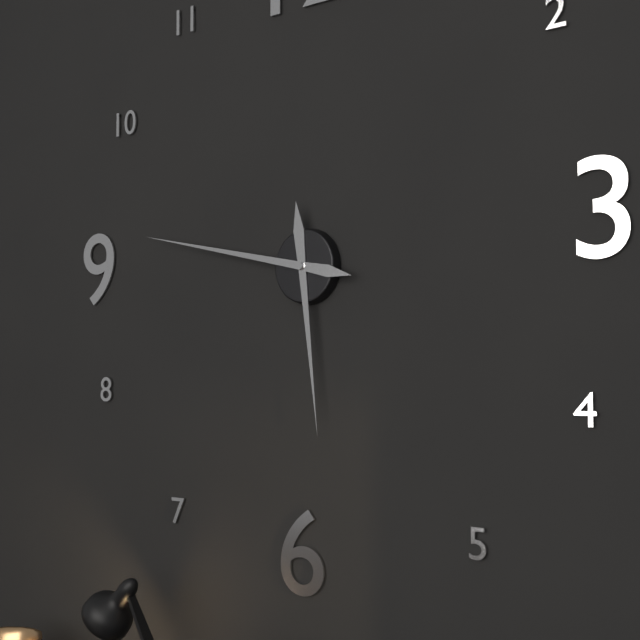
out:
5 h 47 min
